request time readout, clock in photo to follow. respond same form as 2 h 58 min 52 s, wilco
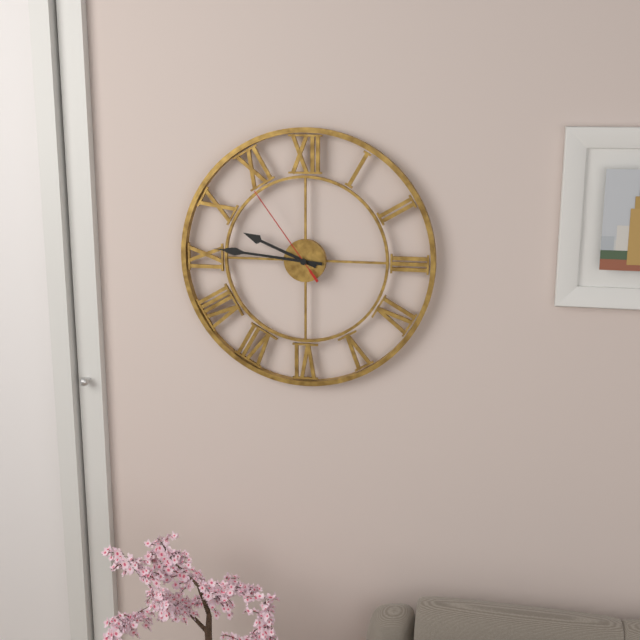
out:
9 h 46 min 54 s
